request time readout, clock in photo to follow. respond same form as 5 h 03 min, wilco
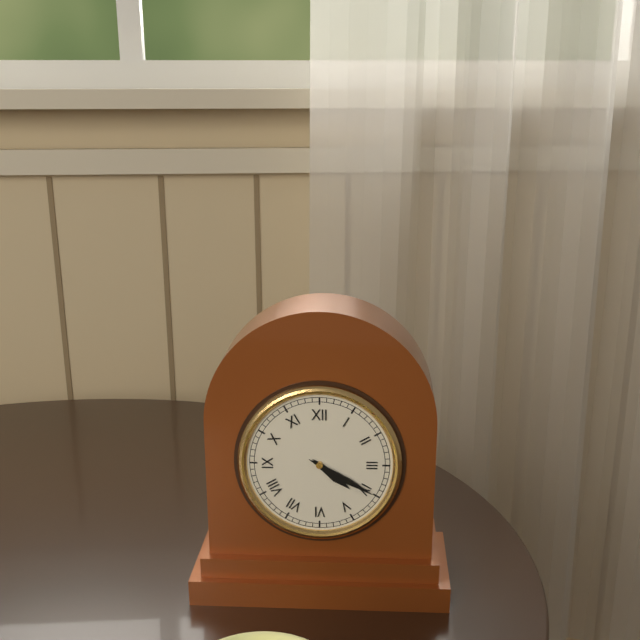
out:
4 h 20 min
